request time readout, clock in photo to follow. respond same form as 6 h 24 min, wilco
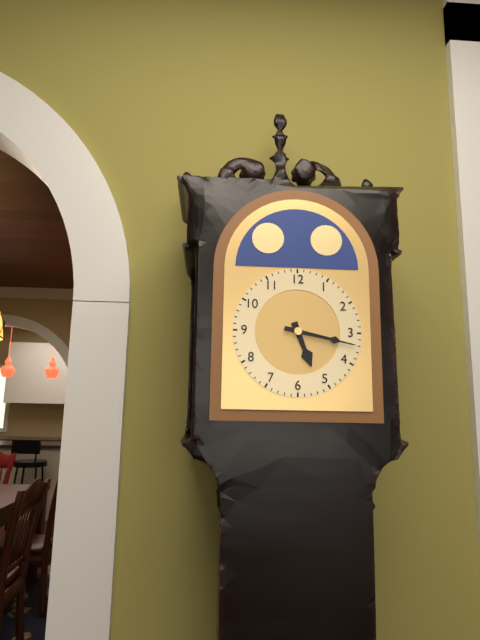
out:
5 h 17 min
